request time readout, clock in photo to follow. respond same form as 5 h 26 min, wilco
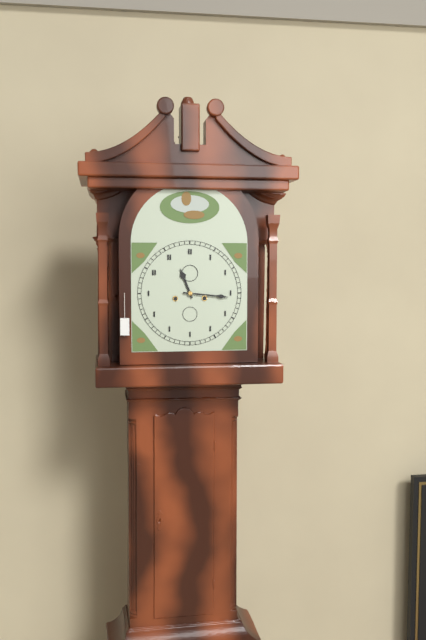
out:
11 h 16 min
